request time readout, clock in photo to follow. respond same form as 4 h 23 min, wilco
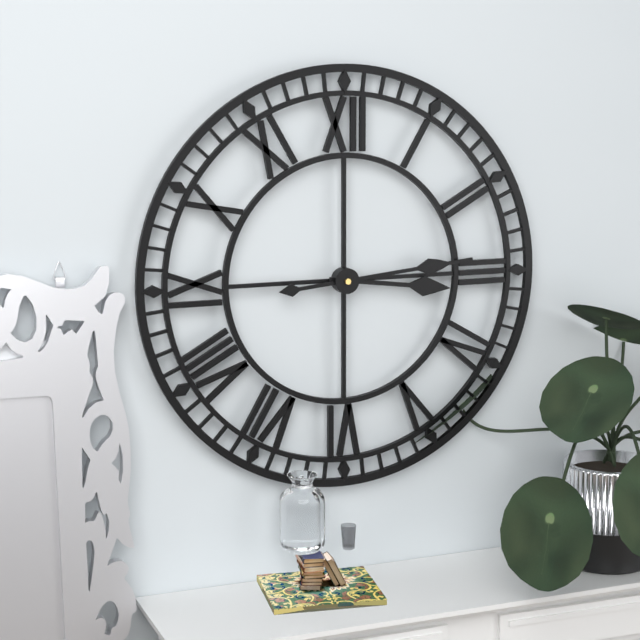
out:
3 h 14 min
